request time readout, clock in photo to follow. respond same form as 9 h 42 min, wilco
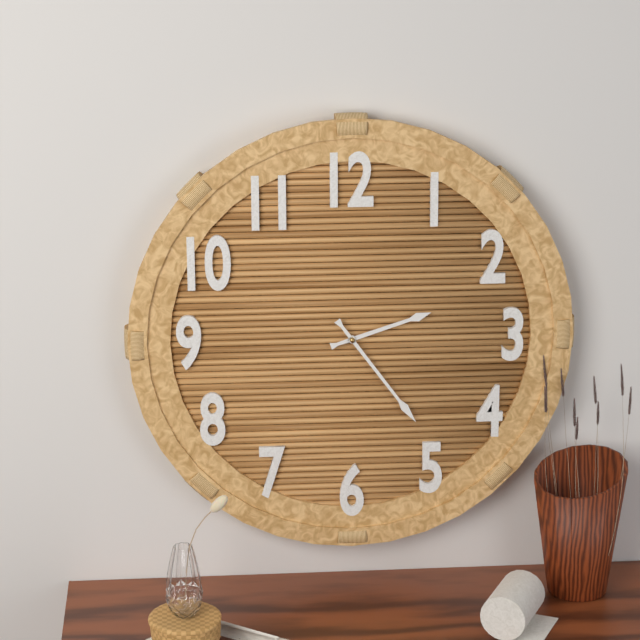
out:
2 h 24 min
